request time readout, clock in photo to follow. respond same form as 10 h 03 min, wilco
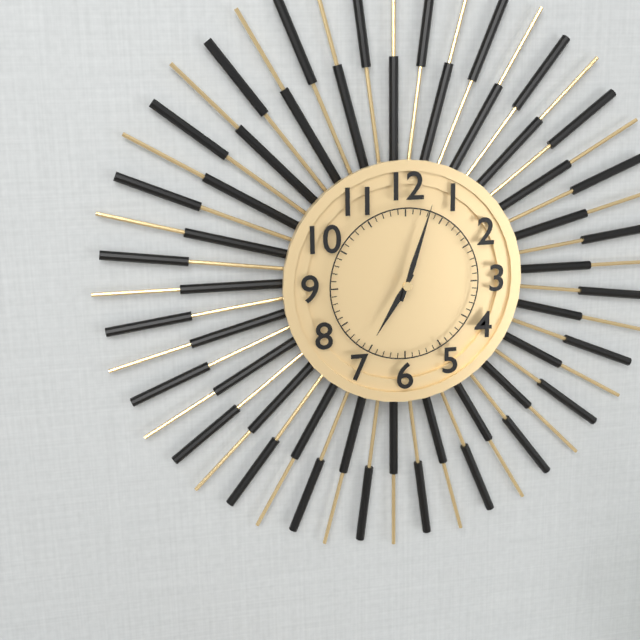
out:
7 h 03 min
